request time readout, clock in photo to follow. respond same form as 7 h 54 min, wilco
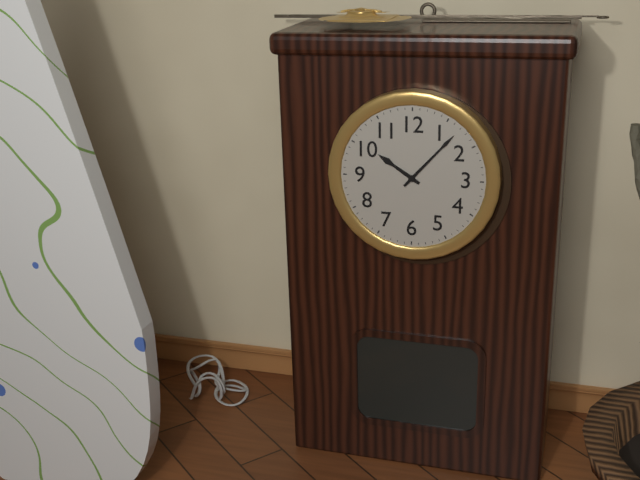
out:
10 h 07 min
